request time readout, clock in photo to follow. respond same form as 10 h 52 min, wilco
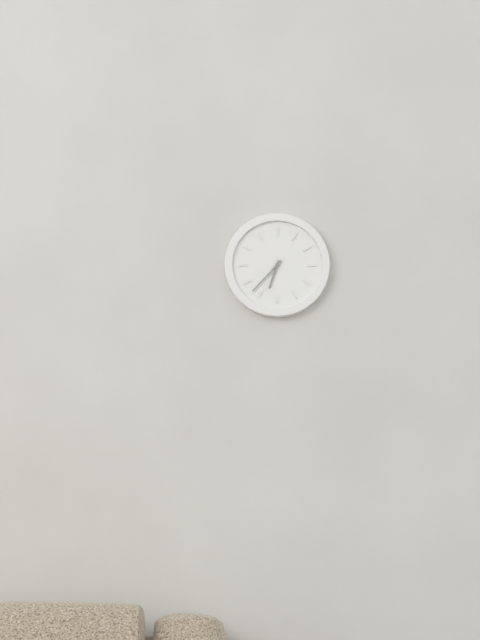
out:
6 h 37 min
